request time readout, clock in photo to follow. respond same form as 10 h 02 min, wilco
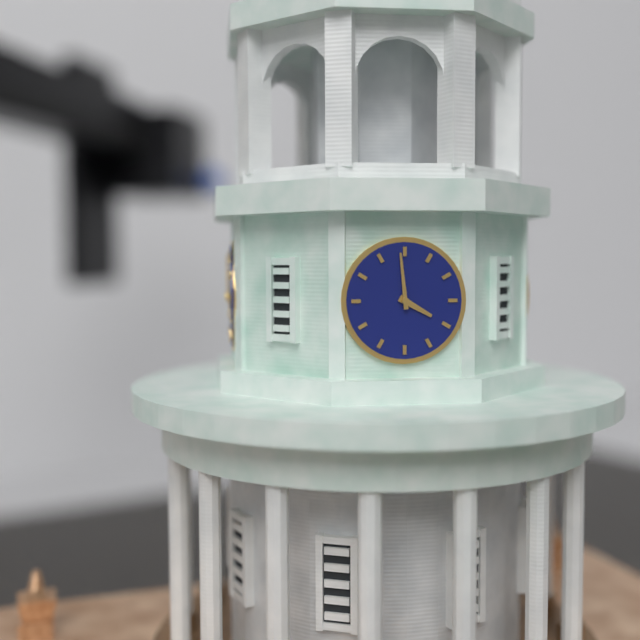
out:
3 h 59 min
